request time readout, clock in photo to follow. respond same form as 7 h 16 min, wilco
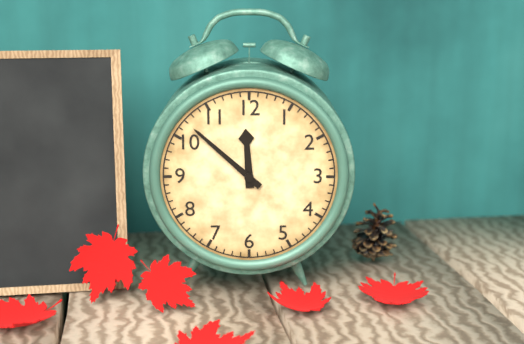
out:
11 h 52 min
